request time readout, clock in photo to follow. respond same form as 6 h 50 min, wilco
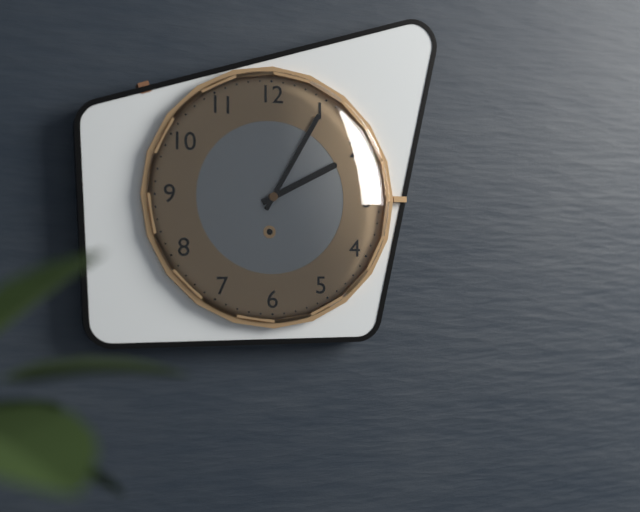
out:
2 h 05 min
